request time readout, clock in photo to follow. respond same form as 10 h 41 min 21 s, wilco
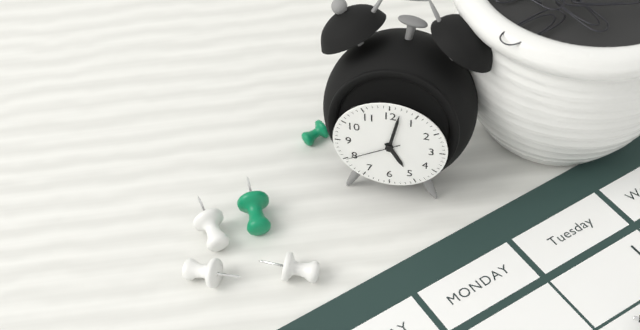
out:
5 h 02 min 40 s
